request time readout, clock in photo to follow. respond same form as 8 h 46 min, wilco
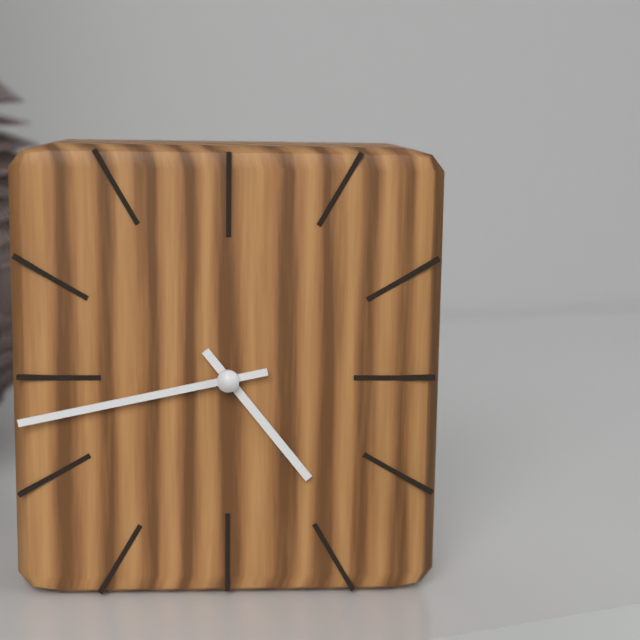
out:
4 h 43 min
